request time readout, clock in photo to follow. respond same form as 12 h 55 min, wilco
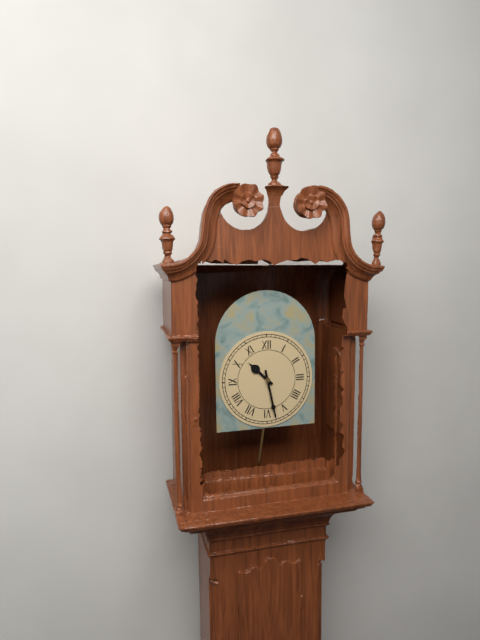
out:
10 h 28 min
